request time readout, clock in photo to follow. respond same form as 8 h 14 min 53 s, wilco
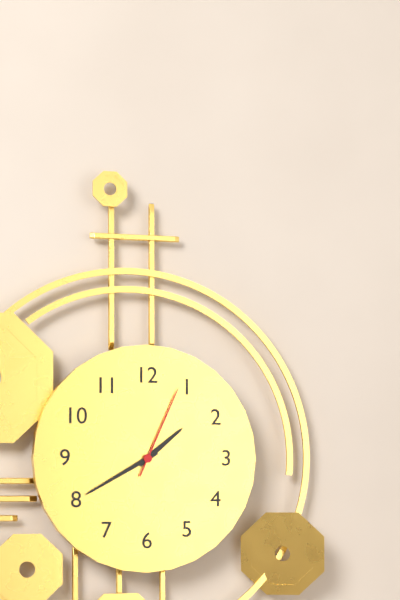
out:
1 h 40 min 04 s
